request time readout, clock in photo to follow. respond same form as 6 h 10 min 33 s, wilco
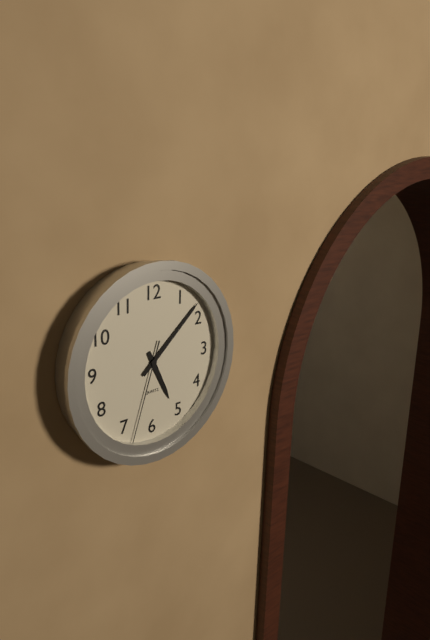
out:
5 h 08 min 33 s
